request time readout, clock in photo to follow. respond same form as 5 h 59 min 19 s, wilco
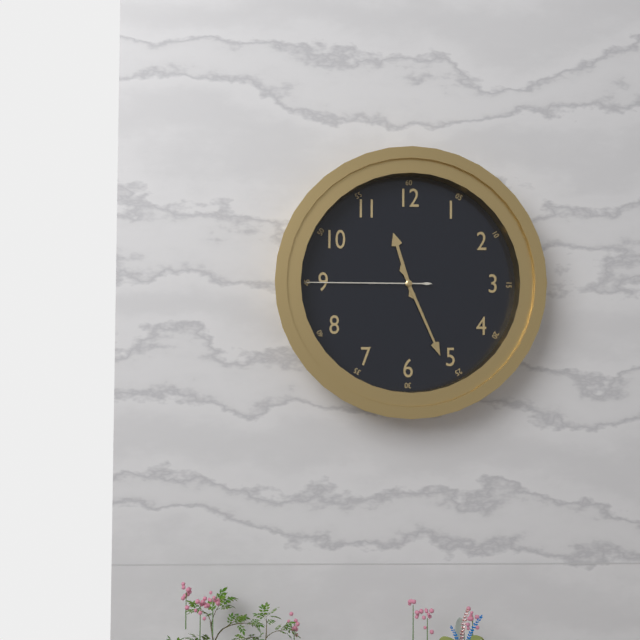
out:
11 h 26 min 45 s
